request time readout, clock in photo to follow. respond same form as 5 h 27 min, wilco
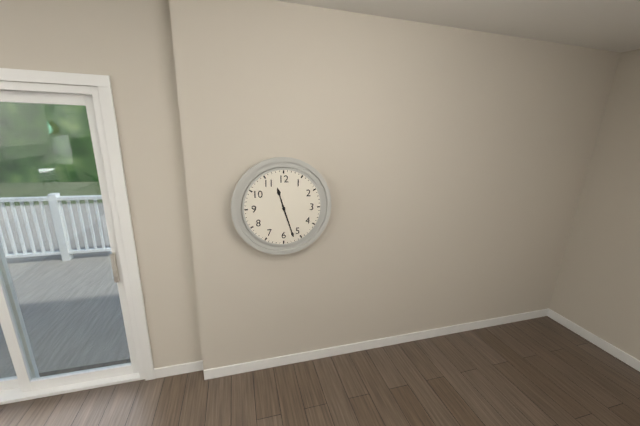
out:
11 h 27 min
